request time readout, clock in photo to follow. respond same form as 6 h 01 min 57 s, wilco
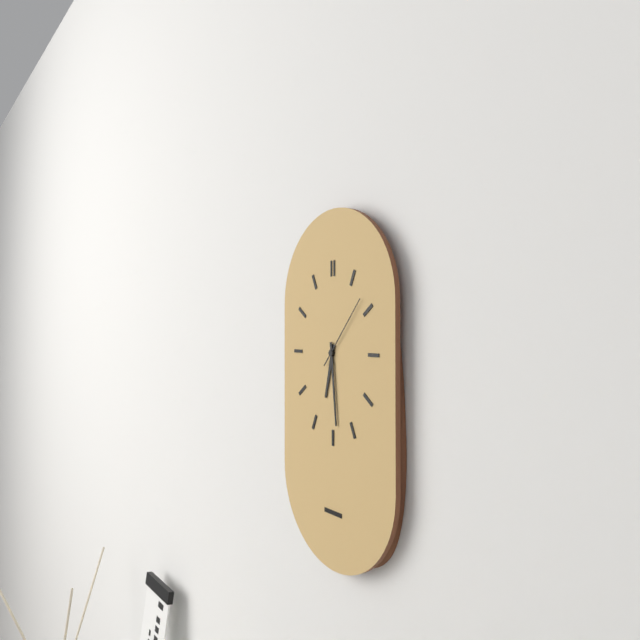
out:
6 h 29 min 07 s
